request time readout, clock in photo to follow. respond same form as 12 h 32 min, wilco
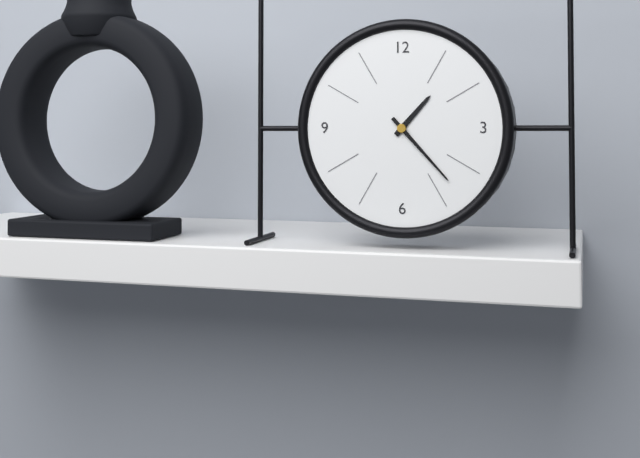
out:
1 h 23 min
